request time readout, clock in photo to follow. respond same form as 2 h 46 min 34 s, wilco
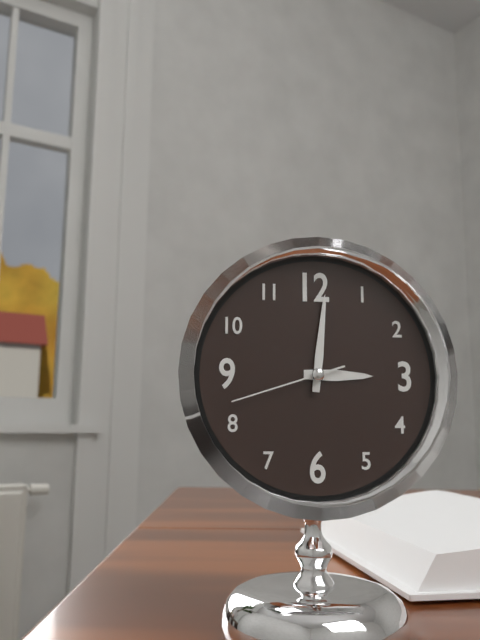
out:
3 h 01 min 42 s
